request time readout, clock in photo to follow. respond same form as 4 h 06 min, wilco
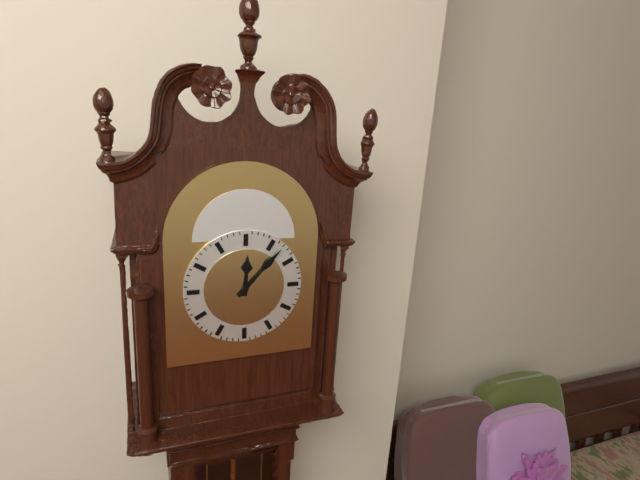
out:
12 h 07 min
